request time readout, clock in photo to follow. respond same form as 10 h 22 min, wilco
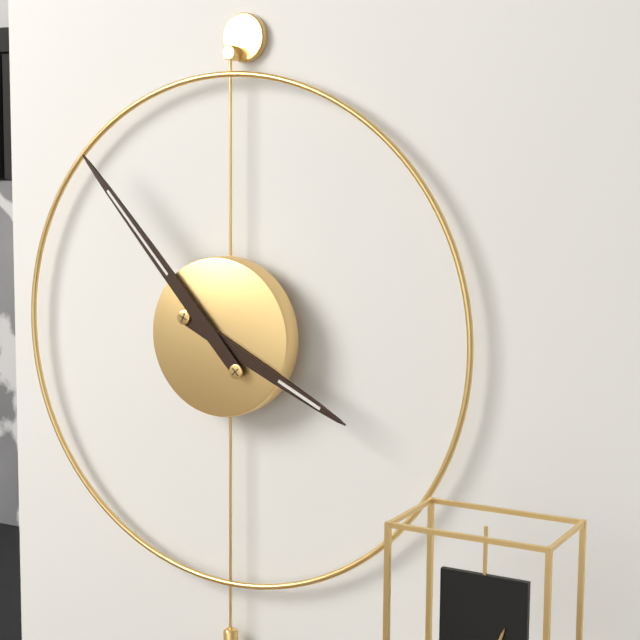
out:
3 h 53 min
